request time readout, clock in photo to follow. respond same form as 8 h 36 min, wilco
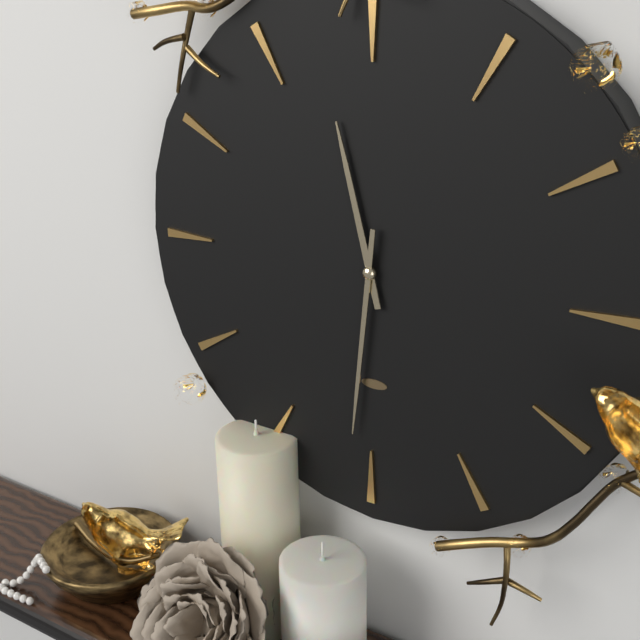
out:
11 h 31 min
